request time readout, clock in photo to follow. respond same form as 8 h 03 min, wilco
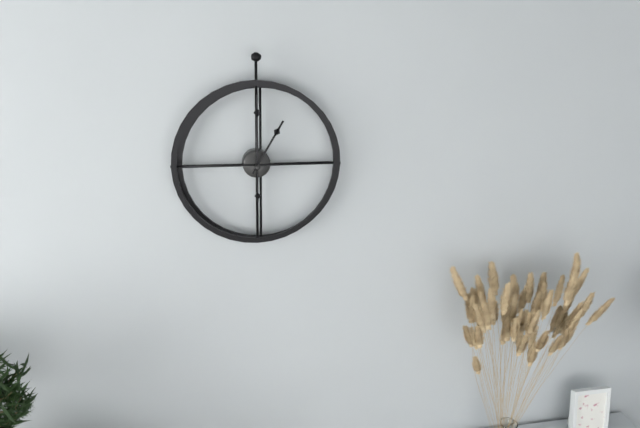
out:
1 h 00 min
